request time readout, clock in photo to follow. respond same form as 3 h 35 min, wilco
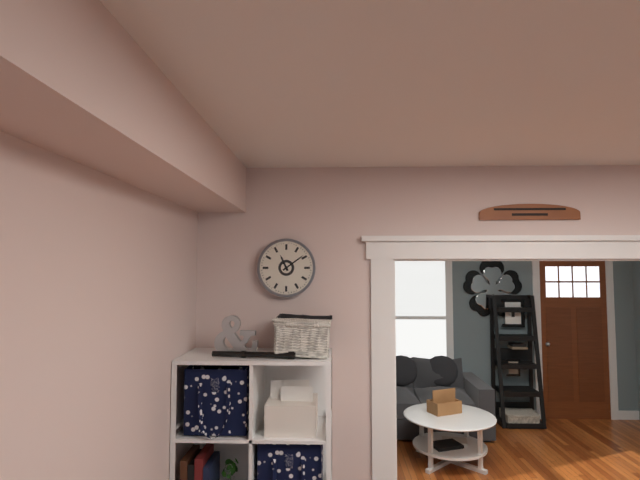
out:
11 h 09 min
